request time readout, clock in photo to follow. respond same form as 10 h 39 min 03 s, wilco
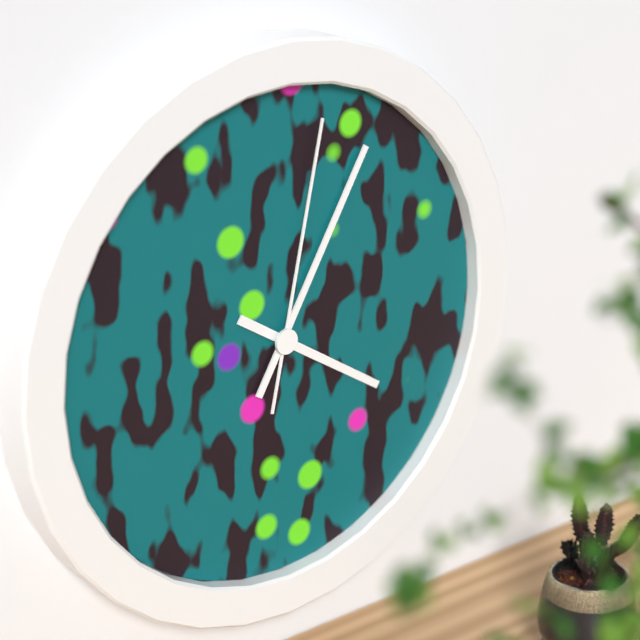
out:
4 h 05 min 02 s
